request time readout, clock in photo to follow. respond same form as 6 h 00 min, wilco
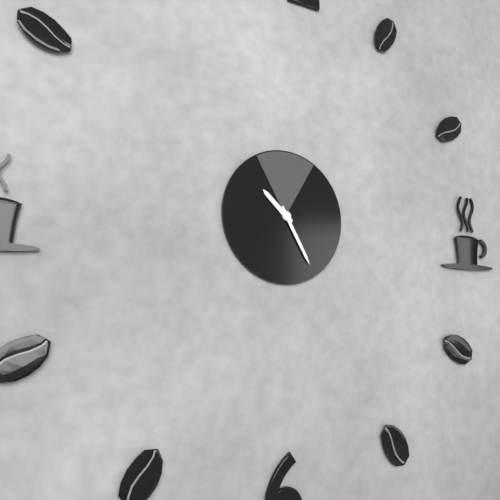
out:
10 h 25 min
